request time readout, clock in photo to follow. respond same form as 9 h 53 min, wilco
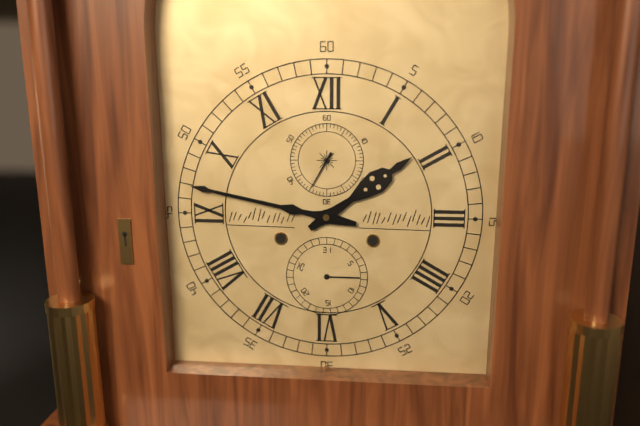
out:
1 h 47 min
